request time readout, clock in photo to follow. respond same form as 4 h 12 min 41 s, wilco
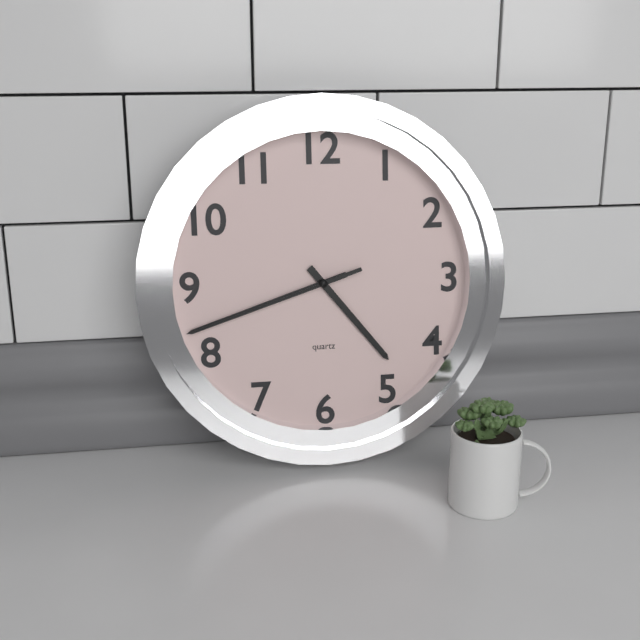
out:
4 h 42 min 42 s
